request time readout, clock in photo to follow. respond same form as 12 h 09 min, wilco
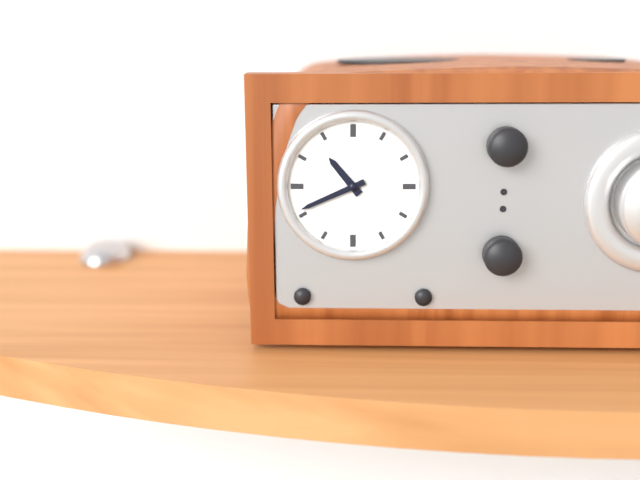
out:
10 h 41 min
